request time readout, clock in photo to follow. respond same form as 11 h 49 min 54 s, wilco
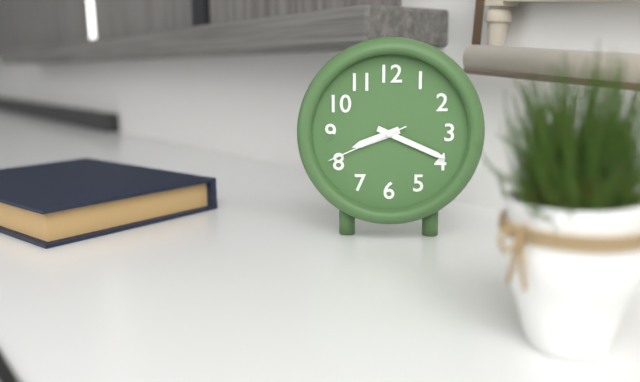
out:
8 h 19 min 41 s
